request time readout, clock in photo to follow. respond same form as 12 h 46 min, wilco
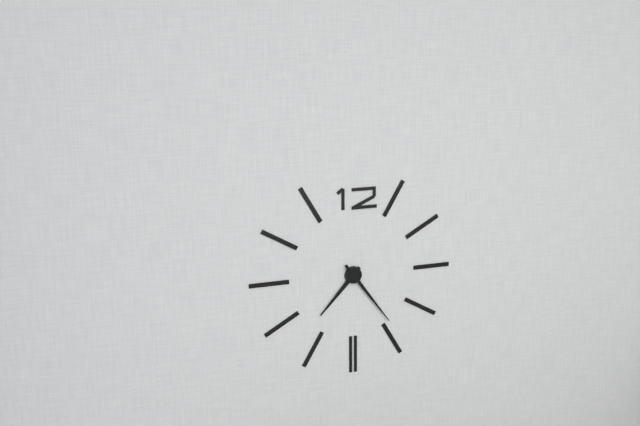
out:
7 h 24 min
